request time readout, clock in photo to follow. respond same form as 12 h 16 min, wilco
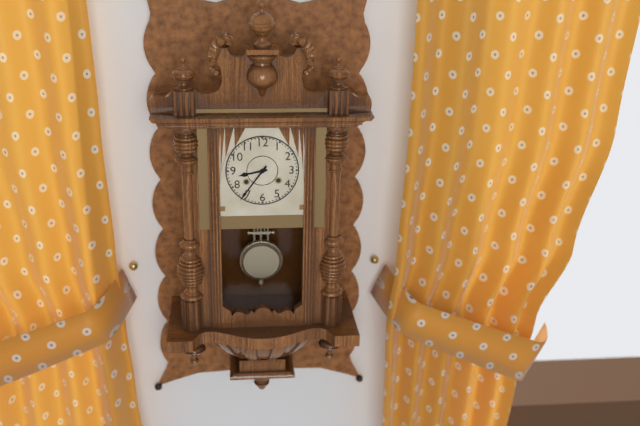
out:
8 h 36 min
